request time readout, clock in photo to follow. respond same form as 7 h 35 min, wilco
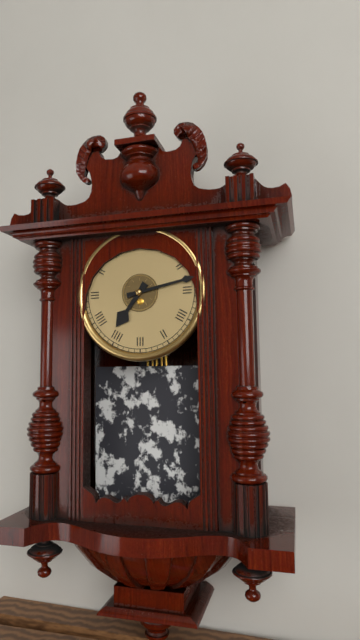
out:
7 h 13 min
